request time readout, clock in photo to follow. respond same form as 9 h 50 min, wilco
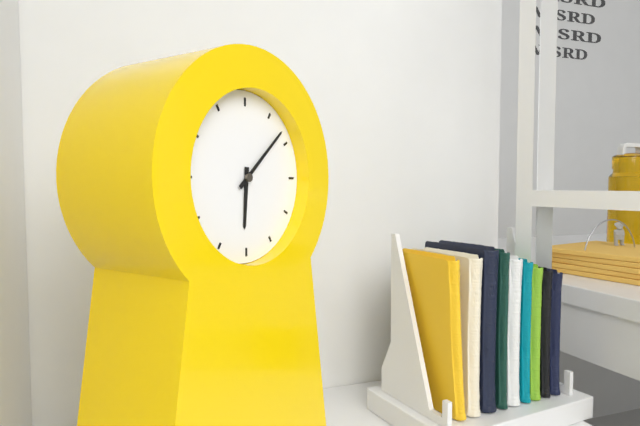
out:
6 h 08 min
